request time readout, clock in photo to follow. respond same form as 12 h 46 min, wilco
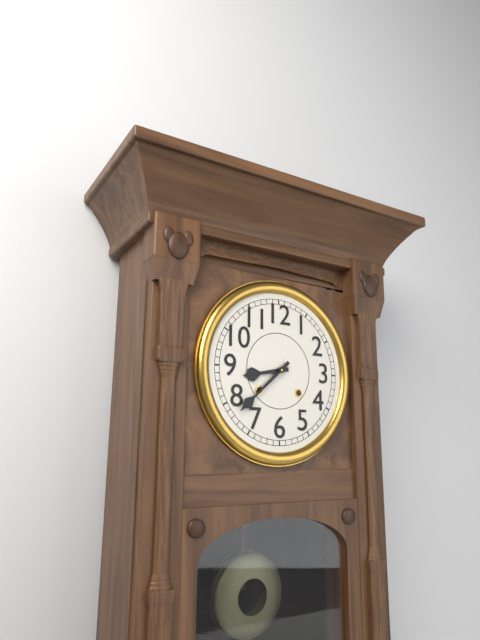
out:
8 h 38 min
